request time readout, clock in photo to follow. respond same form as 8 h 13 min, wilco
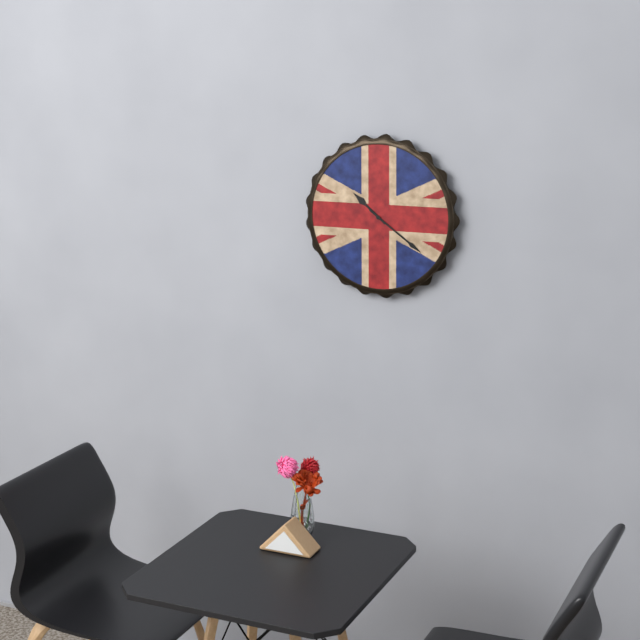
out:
10 h 21 min
